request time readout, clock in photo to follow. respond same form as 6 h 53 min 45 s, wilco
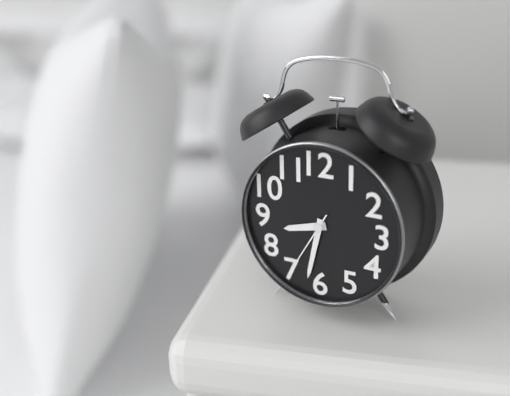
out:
8 h 32 min 35 s
